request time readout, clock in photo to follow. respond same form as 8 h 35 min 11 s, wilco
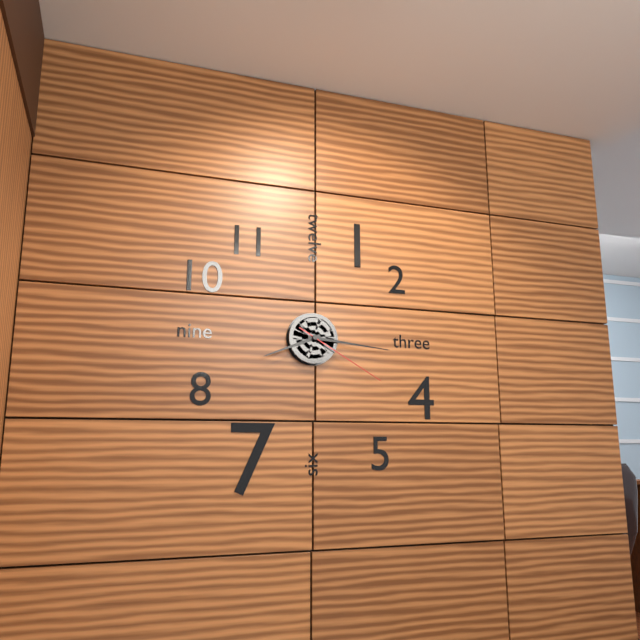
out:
8 h 16 min 20 s
